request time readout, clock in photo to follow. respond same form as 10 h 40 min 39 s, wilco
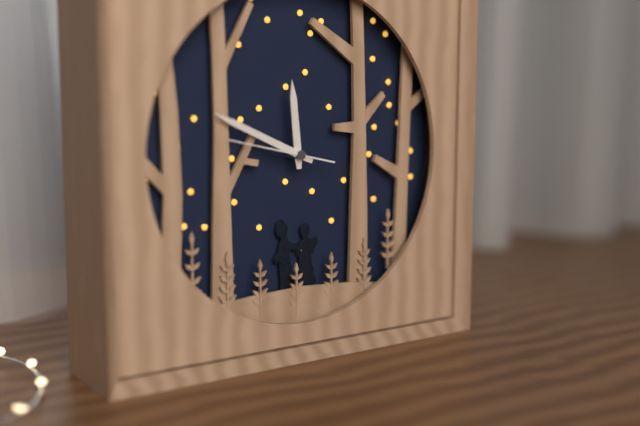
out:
11 h 49 min 47 s
